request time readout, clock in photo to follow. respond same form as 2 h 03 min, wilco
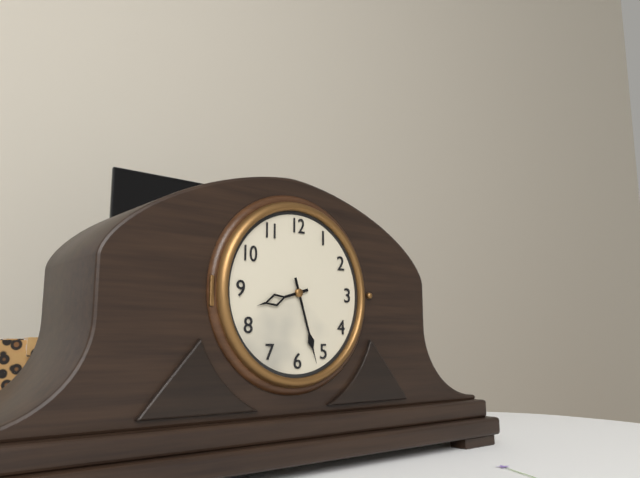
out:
8 h 27 min
